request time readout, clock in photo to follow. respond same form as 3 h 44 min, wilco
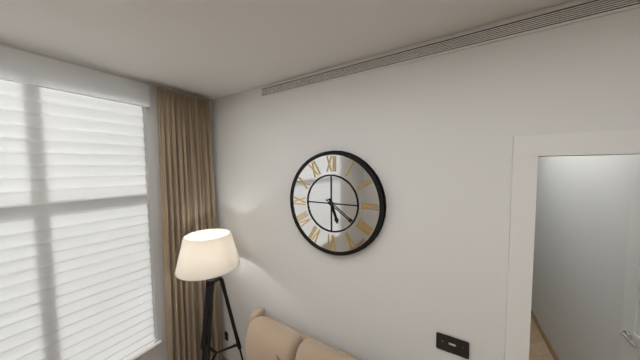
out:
5 h 21 min
